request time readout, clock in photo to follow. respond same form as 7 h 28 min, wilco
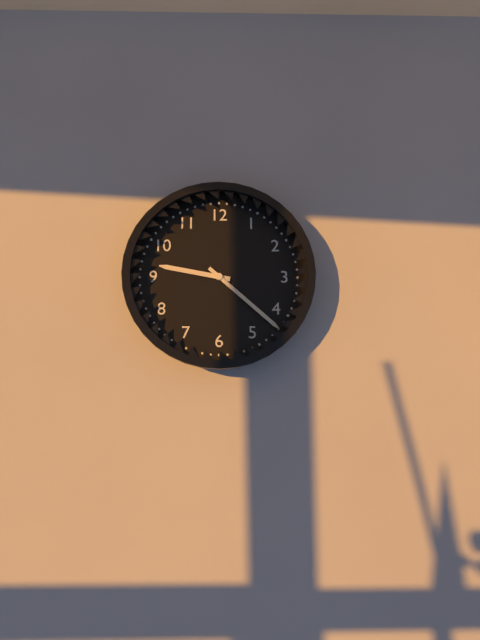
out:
9 h 22 min
